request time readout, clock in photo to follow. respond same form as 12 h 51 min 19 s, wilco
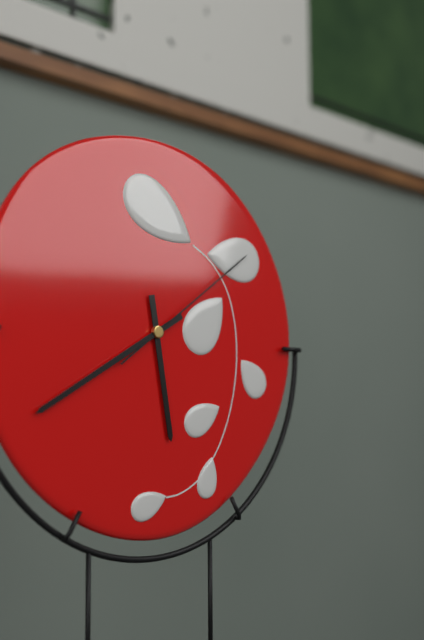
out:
5 h 40 min 09 s
